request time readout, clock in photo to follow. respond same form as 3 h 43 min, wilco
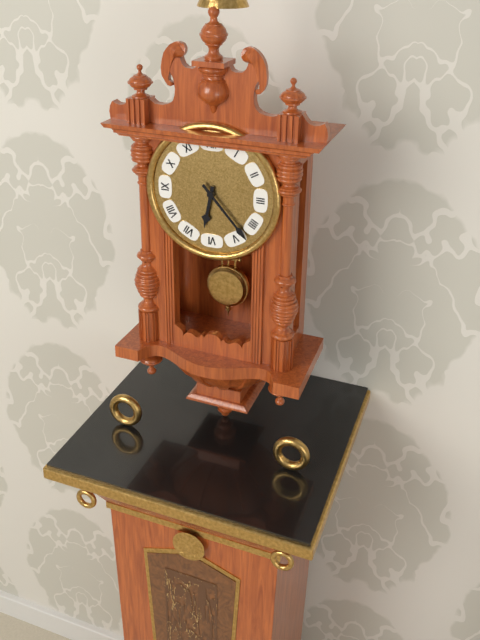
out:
6 h 23 min
